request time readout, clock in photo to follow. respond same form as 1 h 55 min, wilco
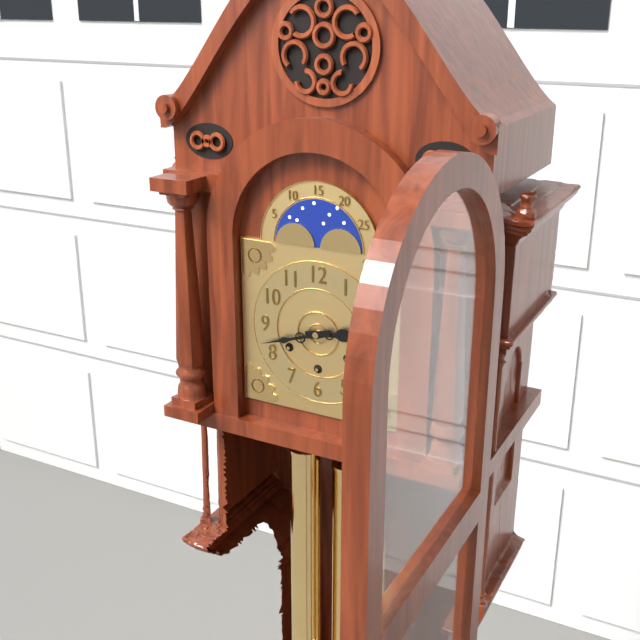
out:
2 h 42 min
